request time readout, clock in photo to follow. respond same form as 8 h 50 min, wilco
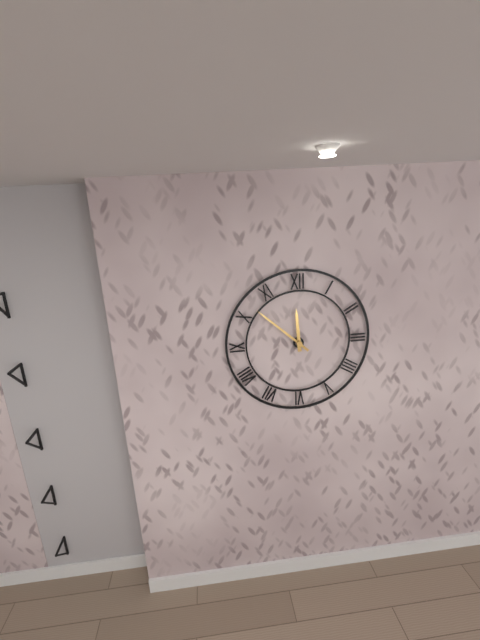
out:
11 h 52 min
